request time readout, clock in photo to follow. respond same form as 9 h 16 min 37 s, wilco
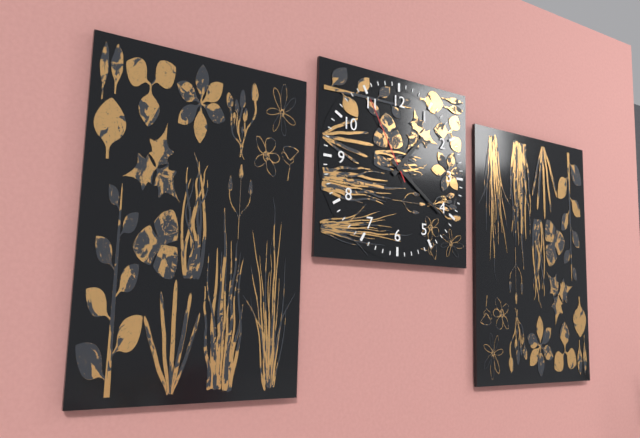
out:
1 h 21 min 55 s
